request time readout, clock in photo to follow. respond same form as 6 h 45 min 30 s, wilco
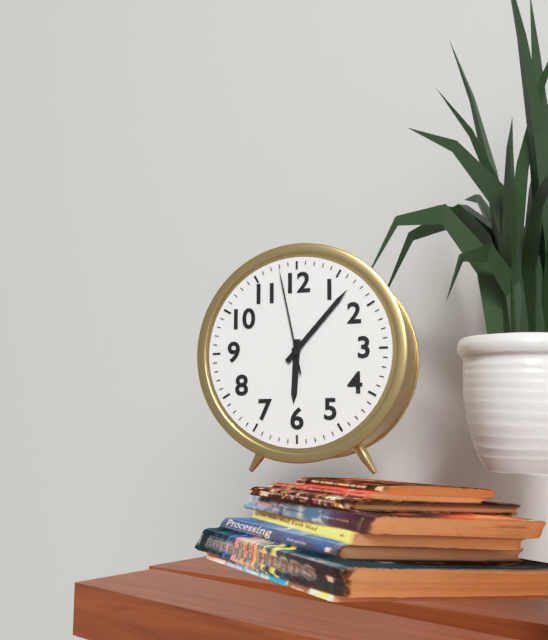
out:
6 h 07 min 58 s
